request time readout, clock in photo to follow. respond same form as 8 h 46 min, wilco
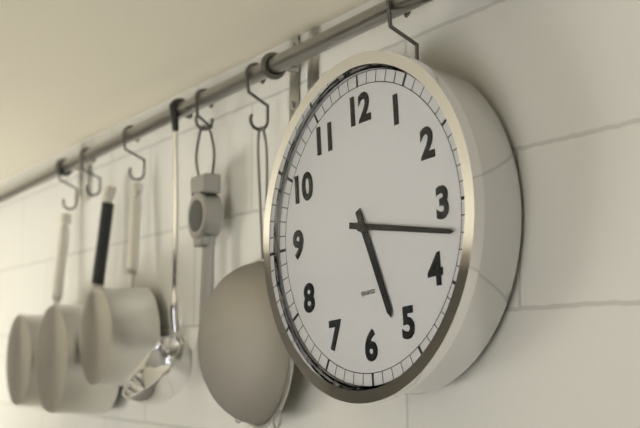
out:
5 h 17 min
